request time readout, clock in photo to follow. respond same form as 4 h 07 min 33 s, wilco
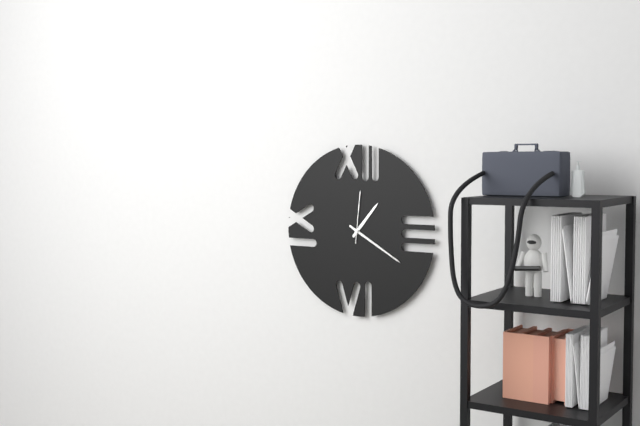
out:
1 h 20 min 01 s
